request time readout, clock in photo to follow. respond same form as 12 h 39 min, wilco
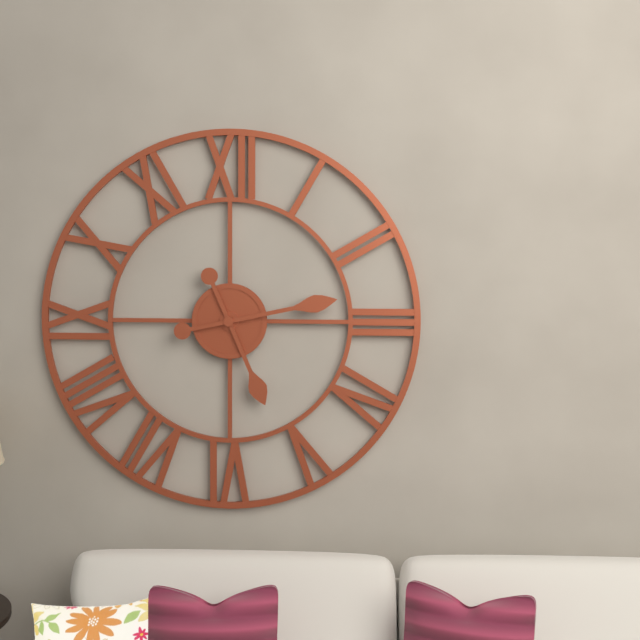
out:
5 h 13 min
